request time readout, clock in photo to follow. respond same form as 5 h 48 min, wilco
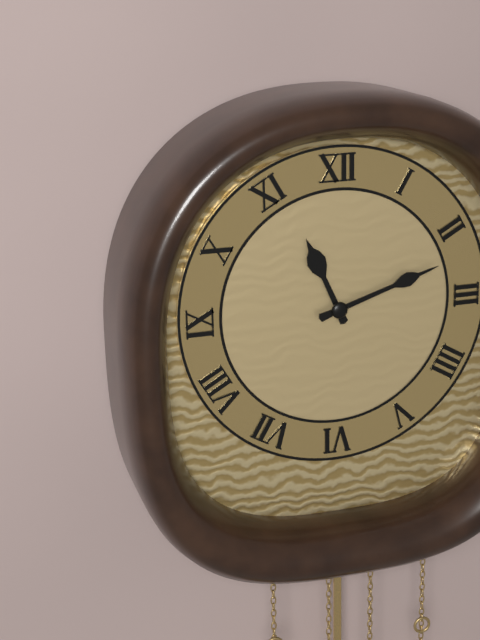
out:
11 h 12 min
